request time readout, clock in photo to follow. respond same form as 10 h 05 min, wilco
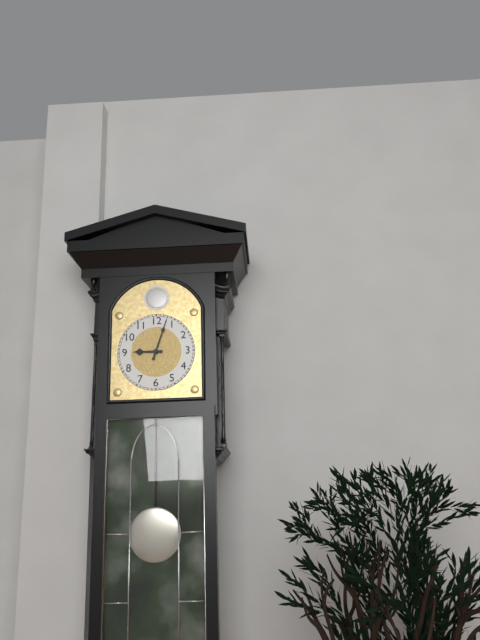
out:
9 h 03 min
